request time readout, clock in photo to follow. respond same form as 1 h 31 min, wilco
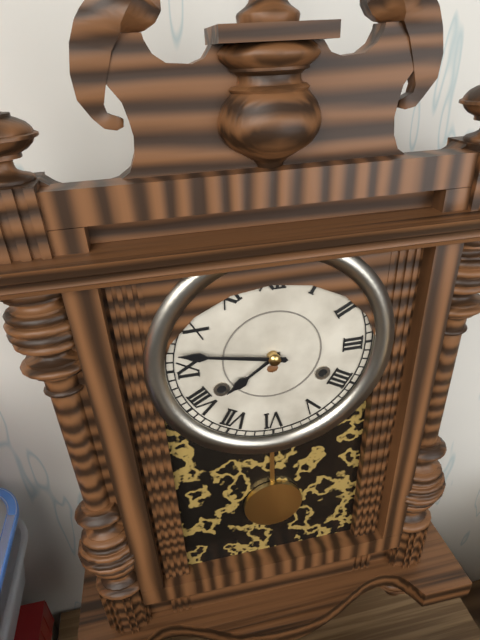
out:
7 h 47 min
